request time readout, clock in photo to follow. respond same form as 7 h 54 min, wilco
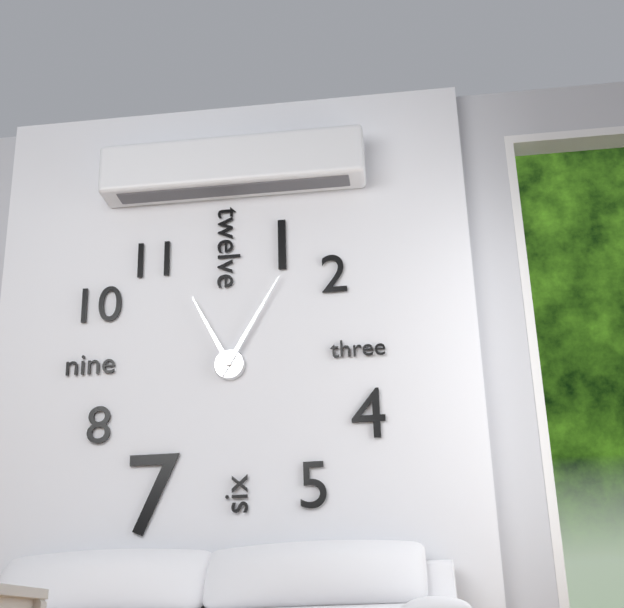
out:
11 h 05 min
